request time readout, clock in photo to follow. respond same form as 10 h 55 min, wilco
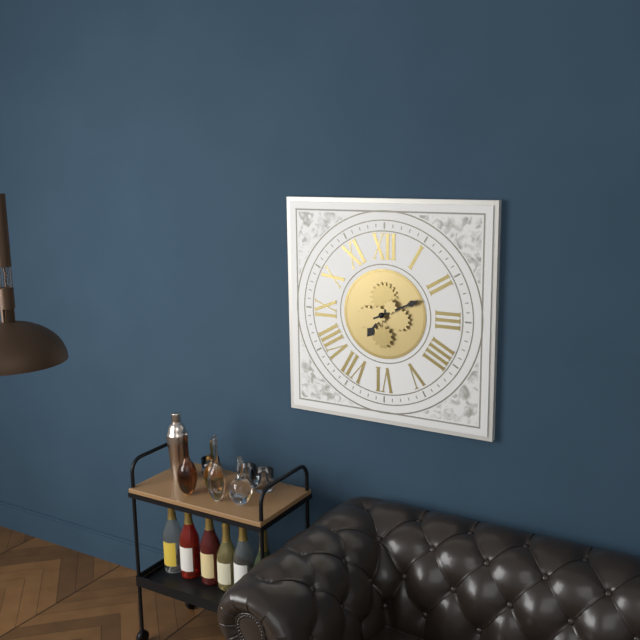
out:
7 h 11 min
